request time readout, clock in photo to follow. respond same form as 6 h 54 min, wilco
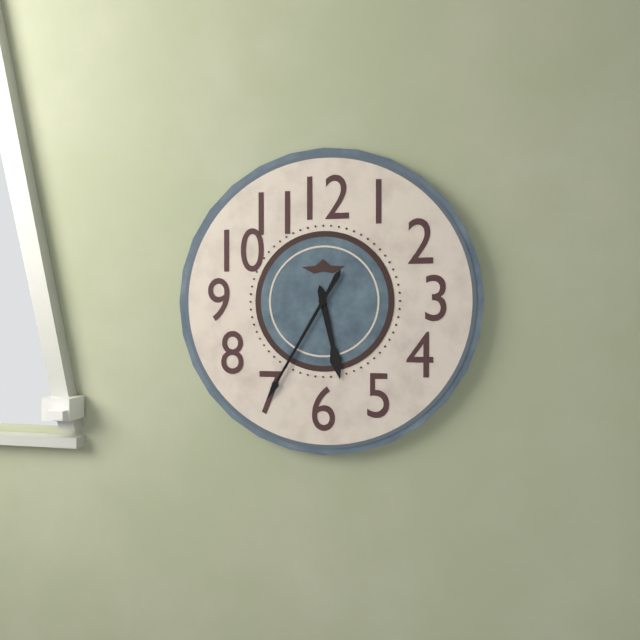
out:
5 h 35 min
